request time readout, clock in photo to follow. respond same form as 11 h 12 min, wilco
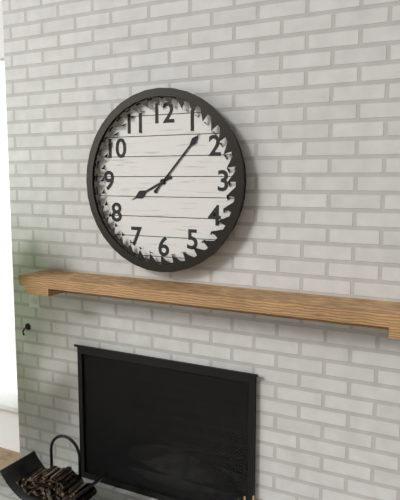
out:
8 h 07 min
